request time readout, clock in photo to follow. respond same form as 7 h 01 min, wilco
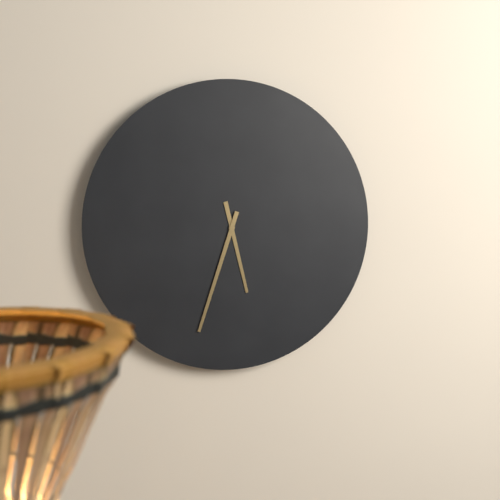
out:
5 h 33 min
